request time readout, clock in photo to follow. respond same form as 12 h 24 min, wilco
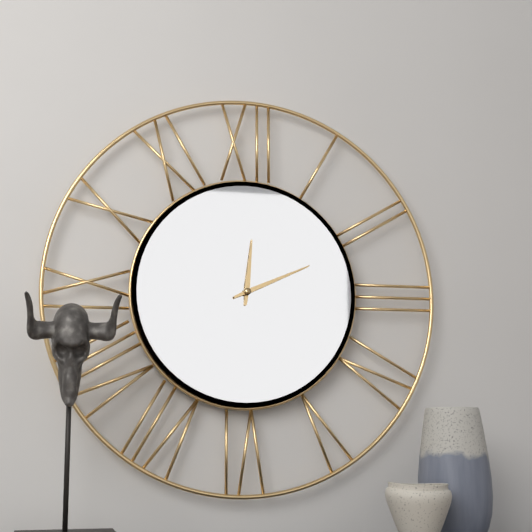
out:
12 h 11 min
